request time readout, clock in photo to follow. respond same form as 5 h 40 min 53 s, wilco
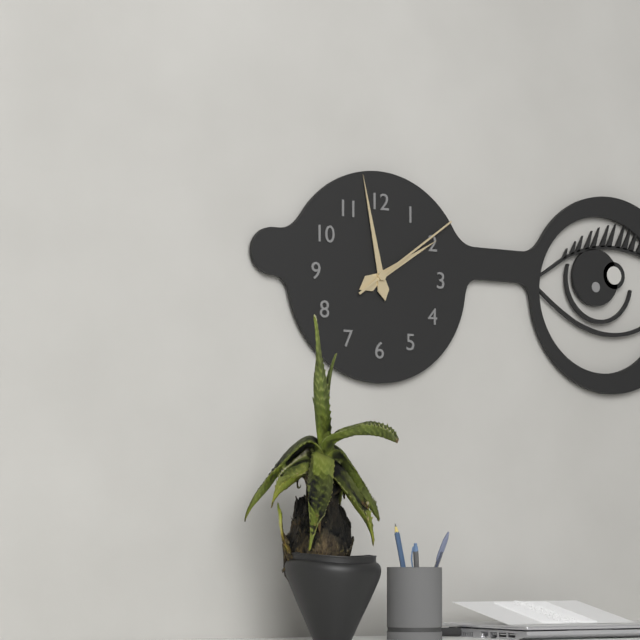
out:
1 h 58 min 09 s
